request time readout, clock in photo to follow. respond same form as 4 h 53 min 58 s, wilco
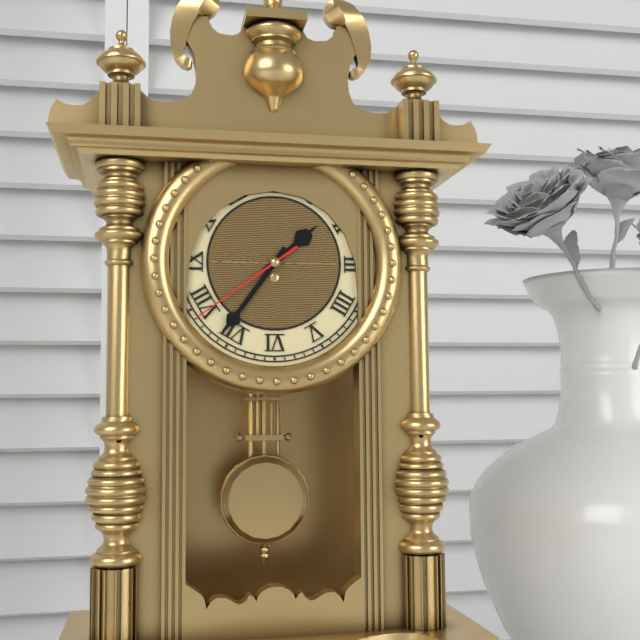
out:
1 h 36 min 39 s
